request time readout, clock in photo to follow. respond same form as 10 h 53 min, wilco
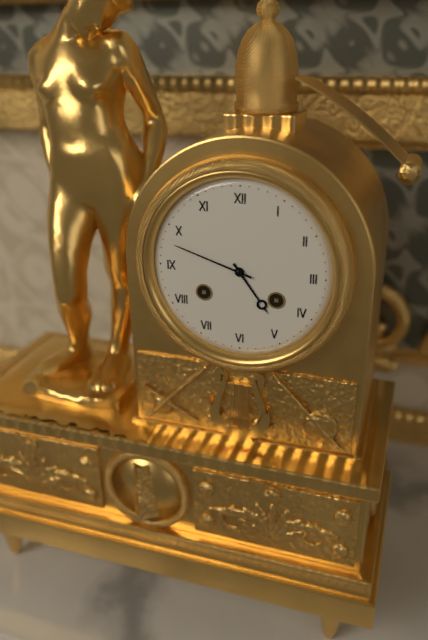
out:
4 h 48 min
